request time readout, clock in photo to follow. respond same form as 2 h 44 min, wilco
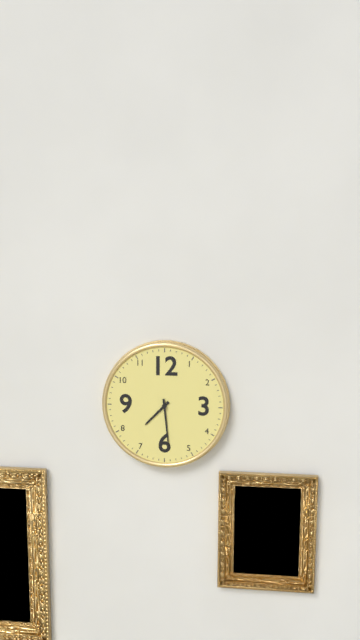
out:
7 h 29 min
